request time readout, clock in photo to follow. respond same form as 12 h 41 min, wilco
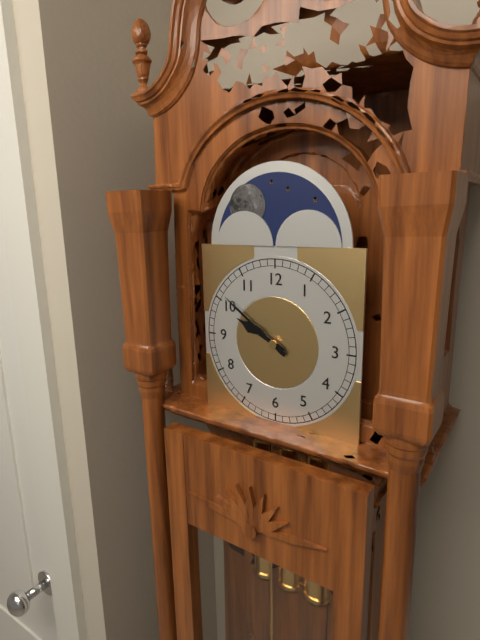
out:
9 h 51 min
